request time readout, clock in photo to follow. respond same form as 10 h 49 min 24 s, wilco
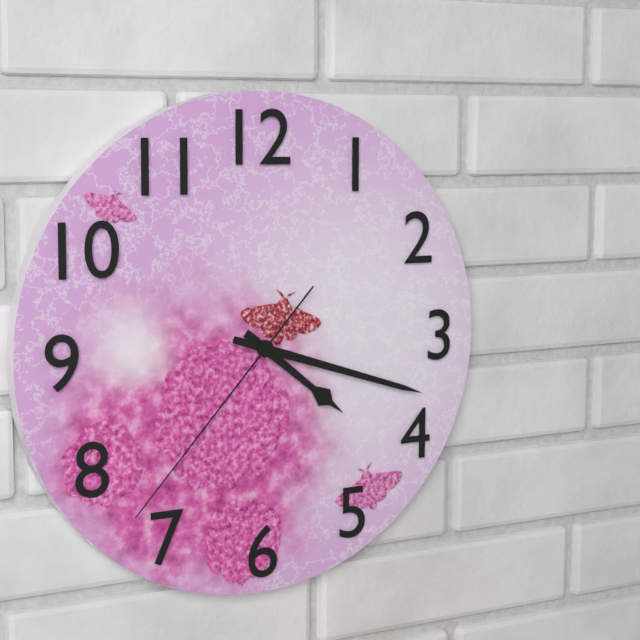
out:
4 h 18 min 37 s
